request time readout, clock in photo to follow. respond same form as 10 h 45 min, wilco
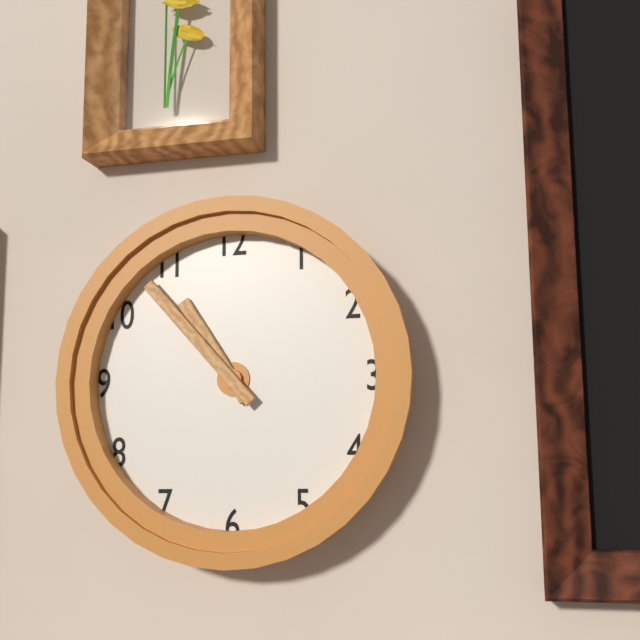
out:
10 h 53 min
